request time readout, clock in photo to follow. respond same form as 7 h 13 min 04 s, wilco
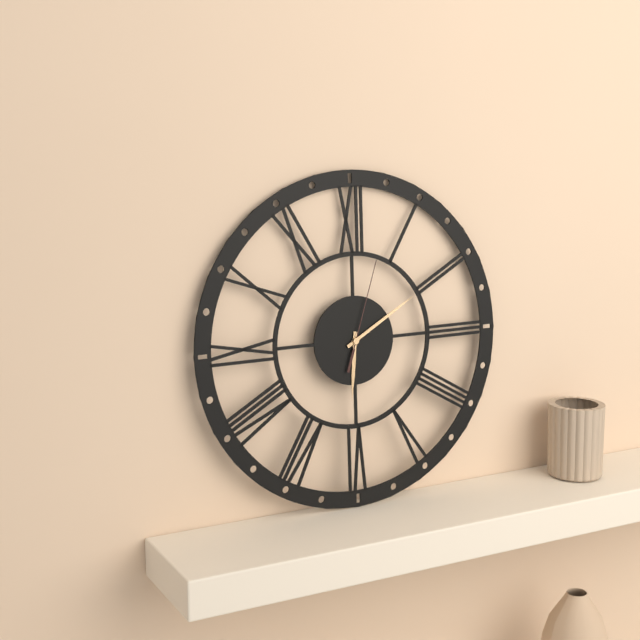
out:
6 h 10 min 03 s
